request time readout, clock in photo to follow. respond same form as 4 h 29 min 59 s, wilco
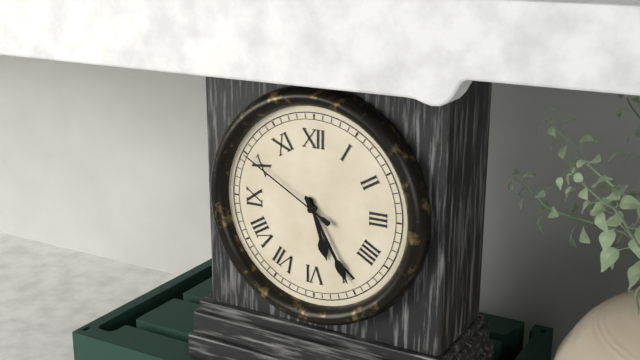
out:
5 h 25 min 50 s
